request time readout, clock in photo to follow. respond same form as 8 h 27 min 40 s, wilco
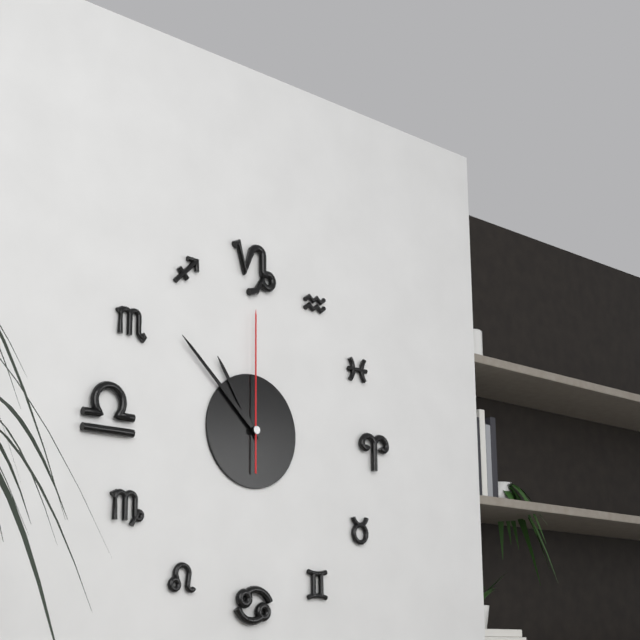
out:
10 h 52 min 00 s
